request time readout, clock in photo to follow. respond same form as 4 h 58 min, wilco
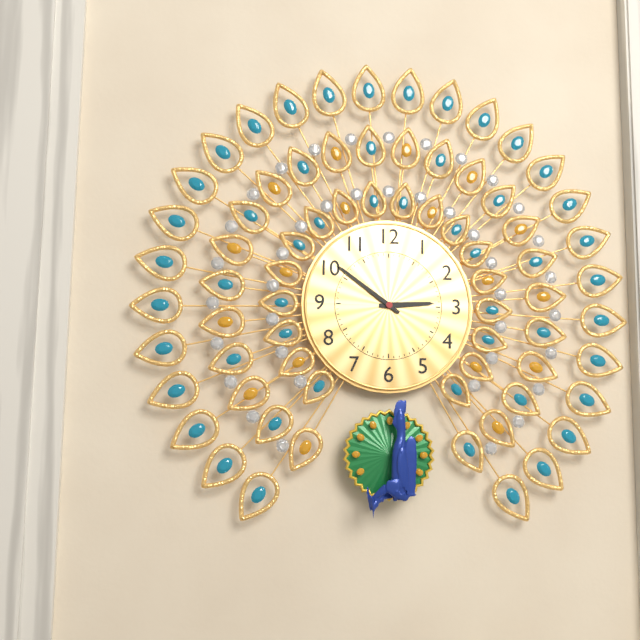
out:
2 h 51 min
